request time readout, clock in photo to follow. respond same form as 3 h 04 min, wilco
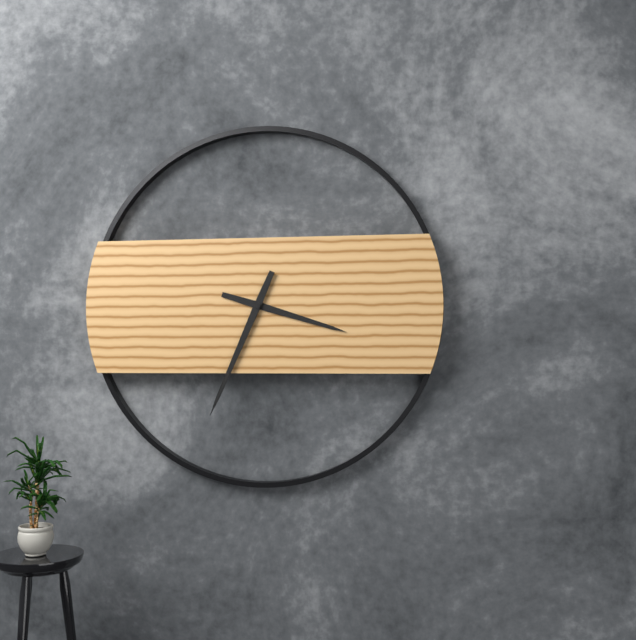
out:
3 h 34 min
